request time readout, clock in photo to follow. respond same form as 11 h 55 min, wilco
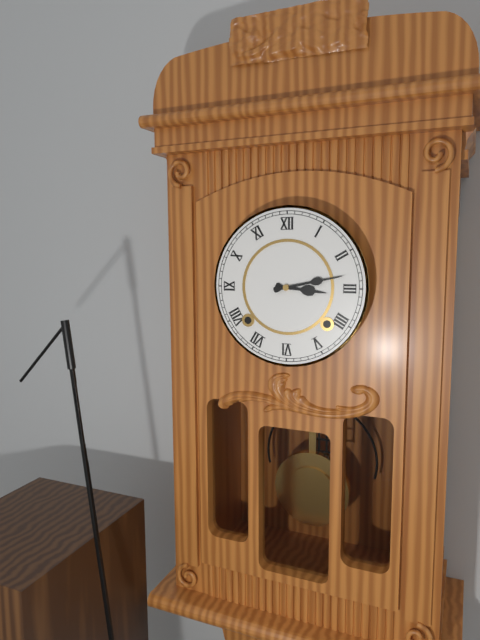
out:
3 h 13 min
